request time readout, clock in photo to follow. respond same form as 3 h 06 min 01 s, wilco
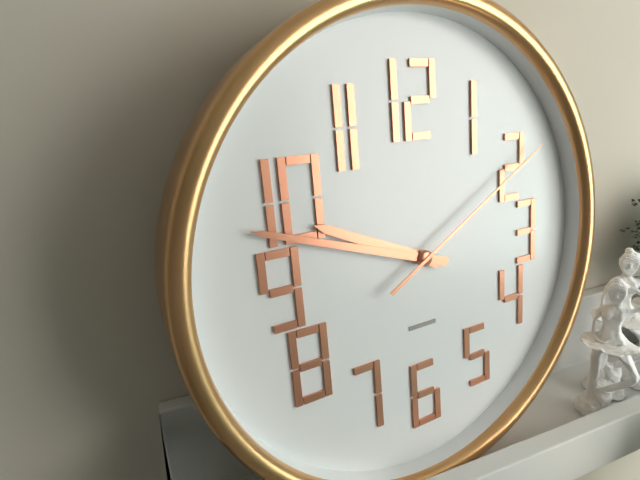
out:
9 h 48 min 10 s
